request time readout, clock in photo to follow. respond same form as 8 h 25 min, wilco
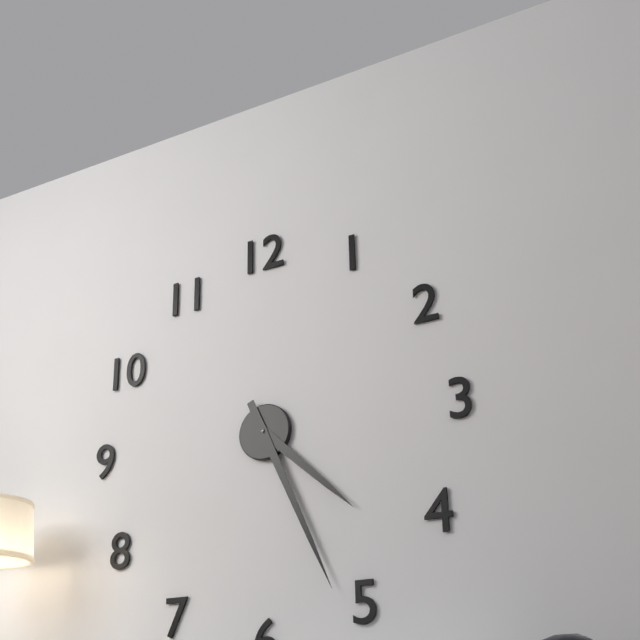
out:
4 h 26 min
